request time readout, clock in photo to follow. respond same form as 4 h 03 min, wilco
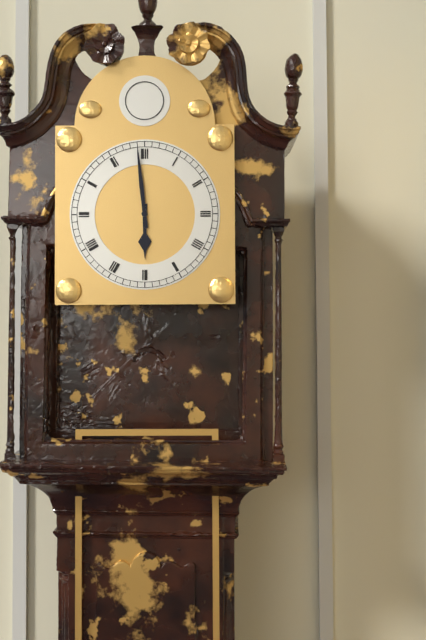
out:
5 h 59 min
